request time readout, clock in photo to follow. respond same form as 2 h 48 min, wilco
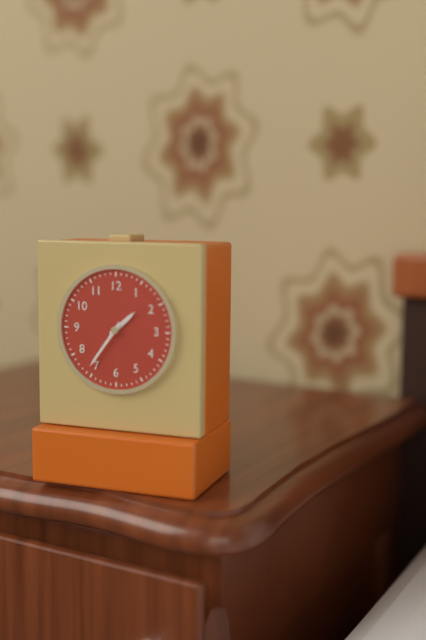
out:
1 h 36 min
